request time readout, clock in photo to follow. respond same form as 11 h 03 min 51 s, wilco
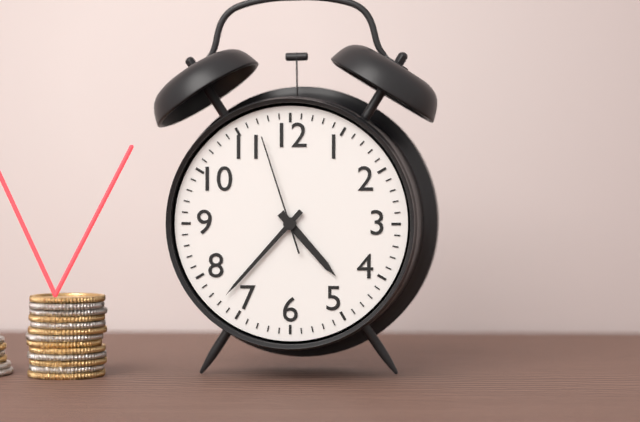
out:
4 h 37 min 57 s
